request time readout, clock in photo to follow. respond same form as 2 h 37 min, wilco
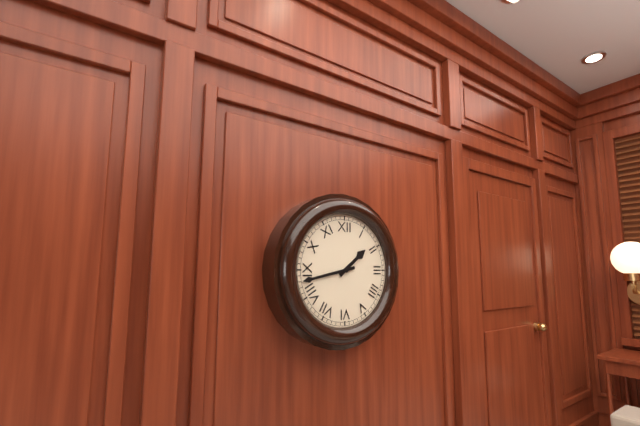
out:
1 h 43 min
